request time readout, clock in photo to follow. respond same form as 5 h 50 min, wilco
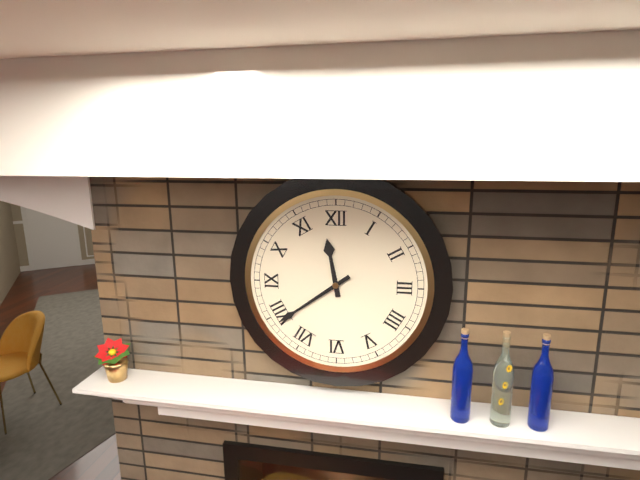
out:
11 h 39 min
